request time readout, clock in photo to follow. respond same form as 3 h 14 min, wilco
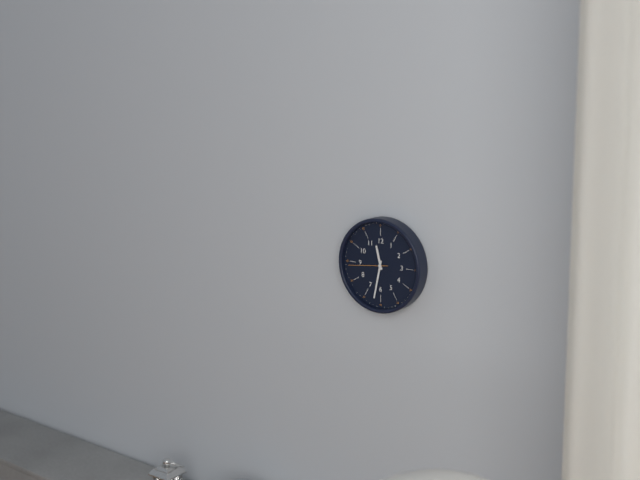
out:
11 h 32 min
